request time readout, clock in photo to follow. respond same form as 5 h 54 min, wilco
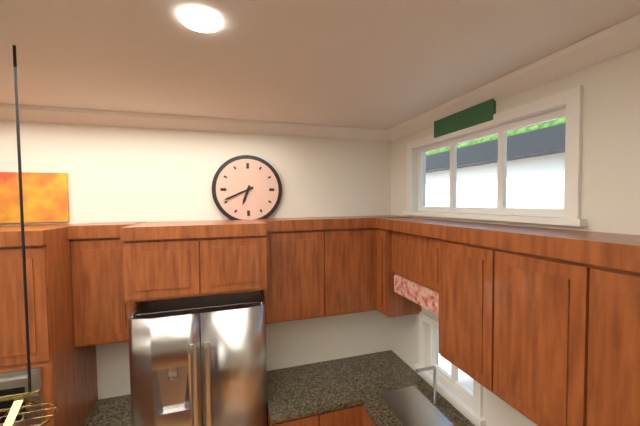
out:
6 h 41 min
